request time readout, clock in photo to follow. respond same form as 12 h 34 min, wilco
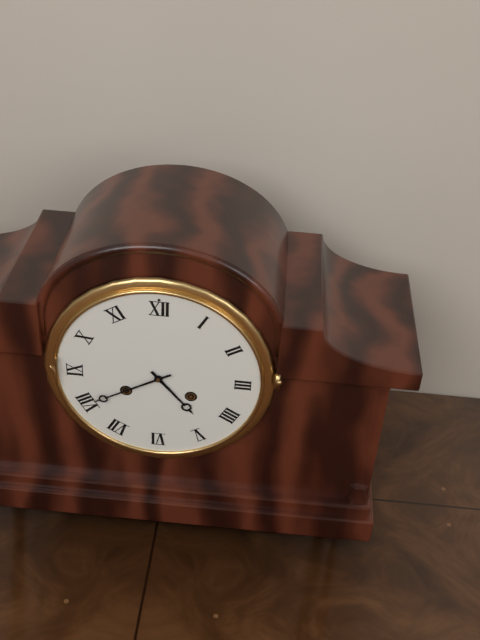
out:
4 h 40 min
